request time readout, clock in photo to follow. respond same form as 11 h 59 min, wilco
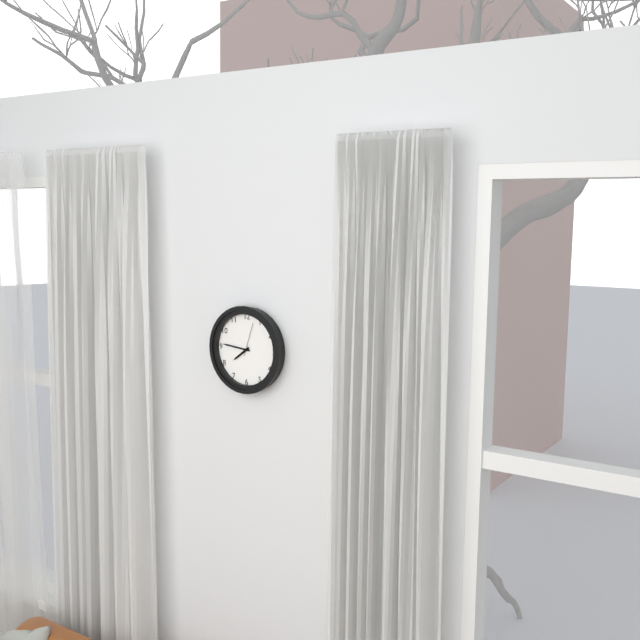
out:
7 h 46 min
